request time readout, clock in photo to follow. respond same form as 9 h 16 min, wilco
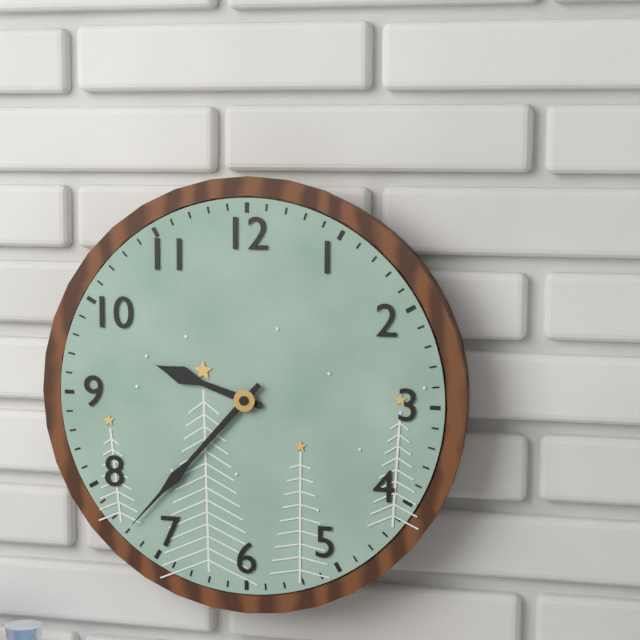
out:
9 h 37 min
